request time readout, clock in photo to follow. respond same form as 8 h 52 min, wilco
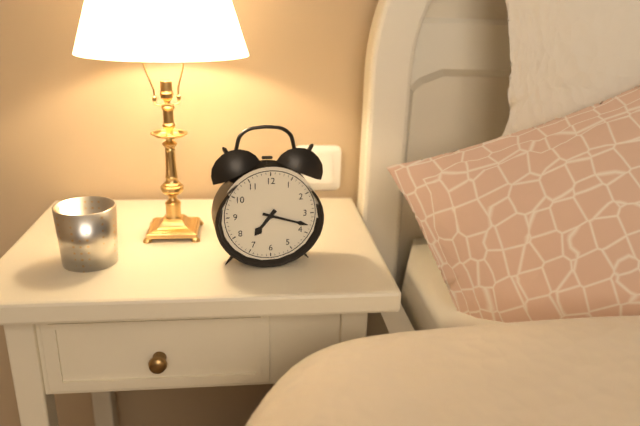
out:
7 h 18 min
